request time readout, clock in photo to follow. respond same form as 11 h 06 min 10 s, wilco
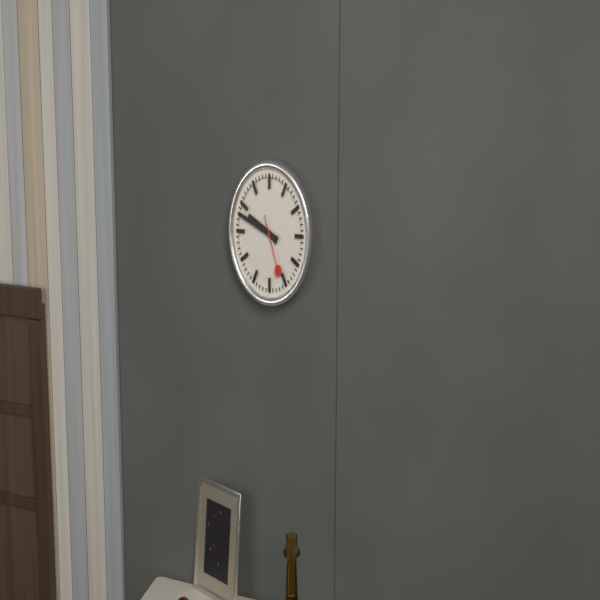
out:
9 h 48 min 26 s
